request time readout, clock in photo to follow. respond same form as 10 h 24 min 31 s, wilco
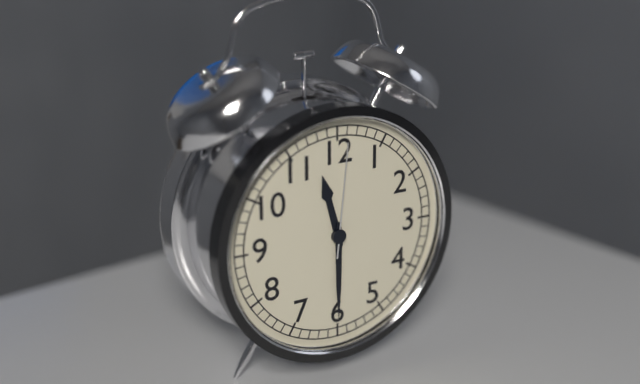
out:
11 h 30 min 01 s
